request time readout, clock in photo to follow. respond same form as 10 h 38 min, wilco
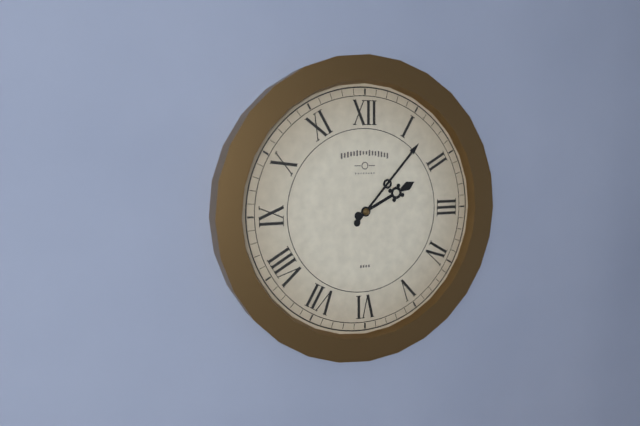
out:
2 h 07 min
